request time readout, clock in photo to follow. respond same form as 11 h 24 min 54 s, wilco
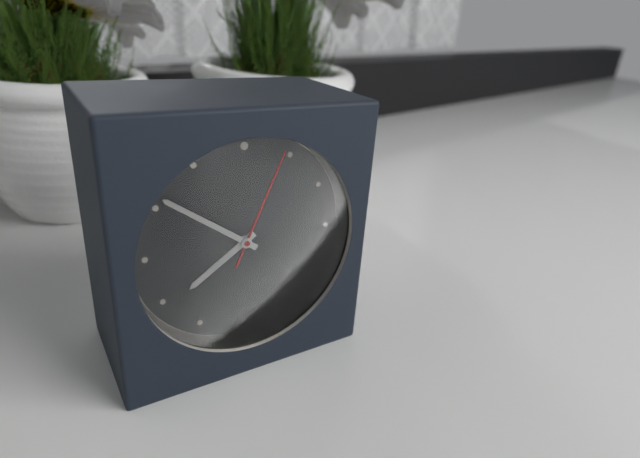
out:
7 h 51 min 04 s
